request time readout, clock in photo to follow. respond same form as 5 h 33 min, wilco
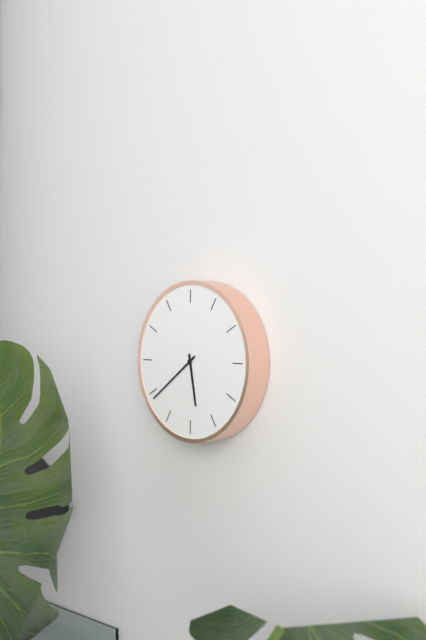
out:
5 h 39 min
